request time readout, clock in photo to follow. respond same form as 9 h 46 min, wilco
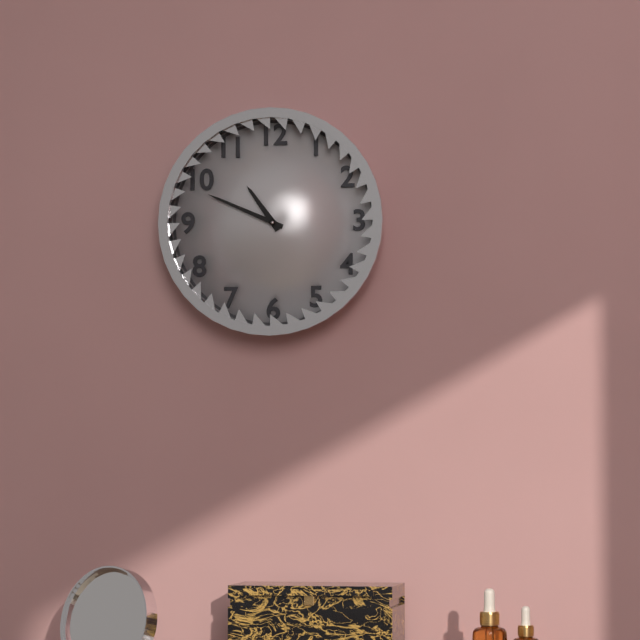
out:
10 h 49 min
